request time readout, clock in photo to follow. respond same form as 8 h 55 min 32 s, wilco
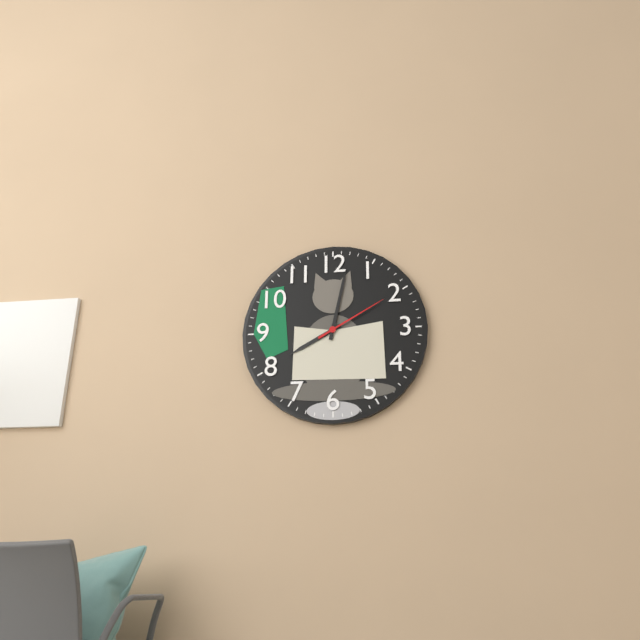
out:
8 h 02 min 10 s
